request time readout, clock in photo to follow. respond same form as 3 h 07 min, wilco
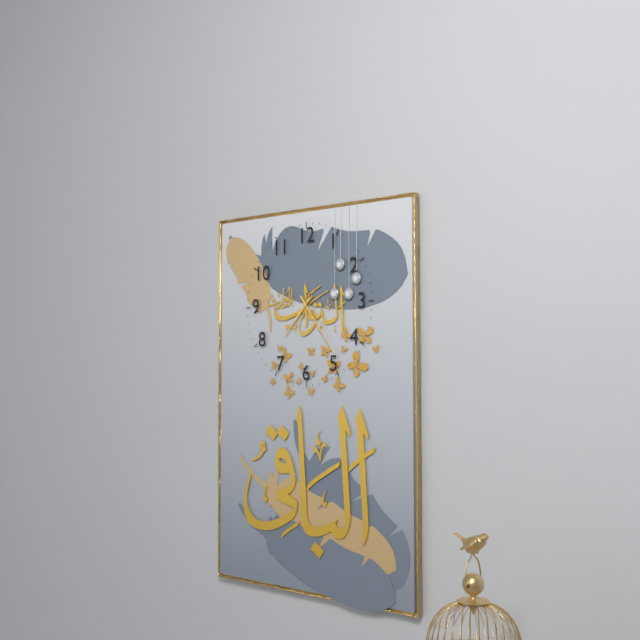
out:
7 h 24 min
